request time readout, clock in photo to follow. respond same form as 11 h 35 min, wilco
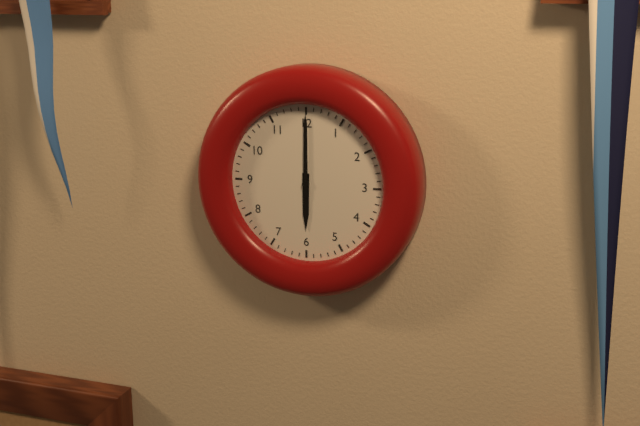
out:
6 h 00 min
